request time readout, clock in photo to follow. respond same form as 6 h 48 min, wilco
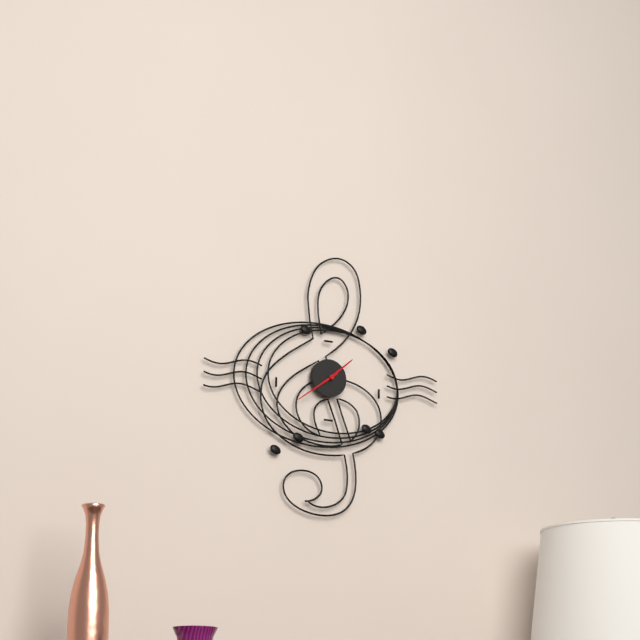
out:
1 h 39 min
